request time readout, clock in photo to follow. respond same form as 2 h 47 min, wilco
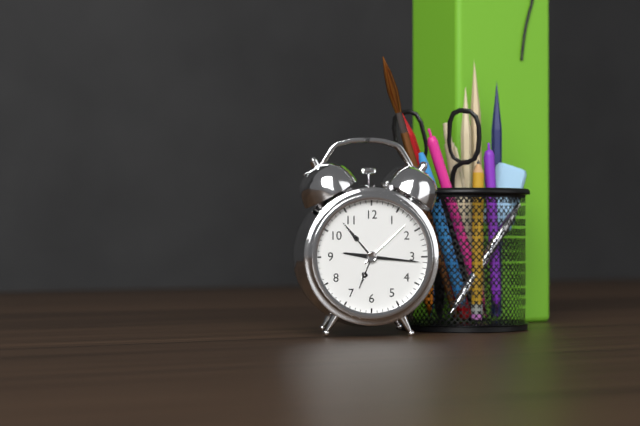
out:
9 h 16 min
